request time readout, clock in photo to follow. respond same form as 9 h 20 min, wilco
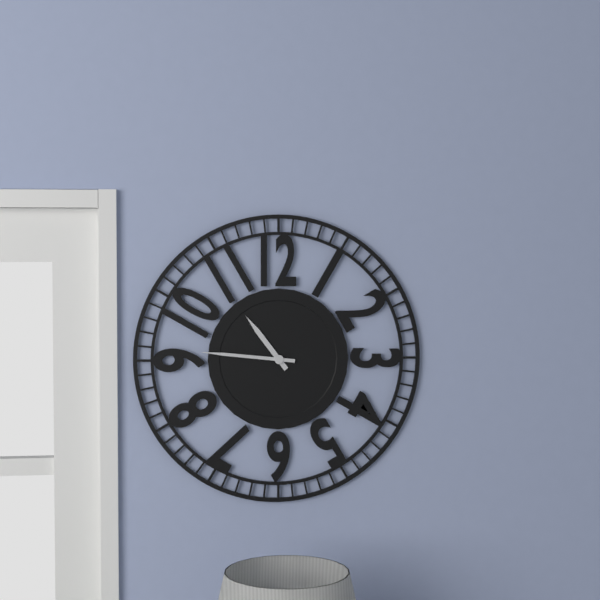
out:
10 h 46 min
